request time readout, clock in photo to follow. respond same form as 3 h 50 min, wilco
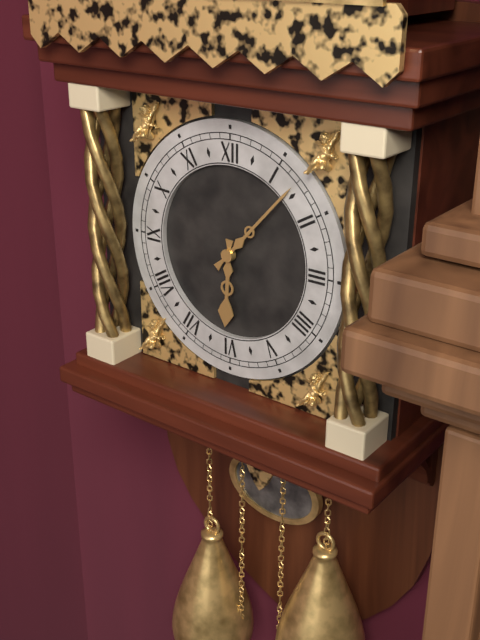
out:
6 h 07 min
